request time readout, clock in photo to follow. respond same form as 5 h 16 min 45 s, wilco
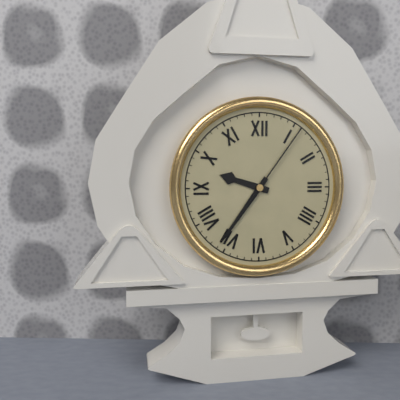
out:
9 h 36 min 06 s
